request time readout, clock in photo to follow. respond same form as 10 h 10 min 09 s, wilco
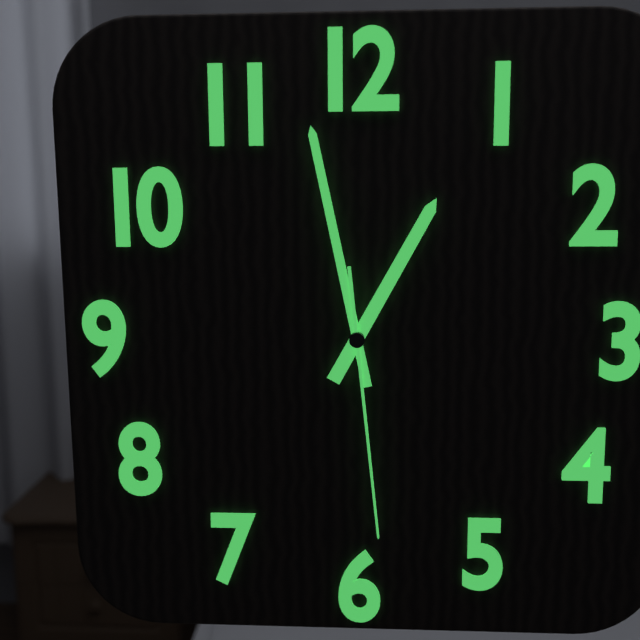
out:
12 h 58 min 29 s
